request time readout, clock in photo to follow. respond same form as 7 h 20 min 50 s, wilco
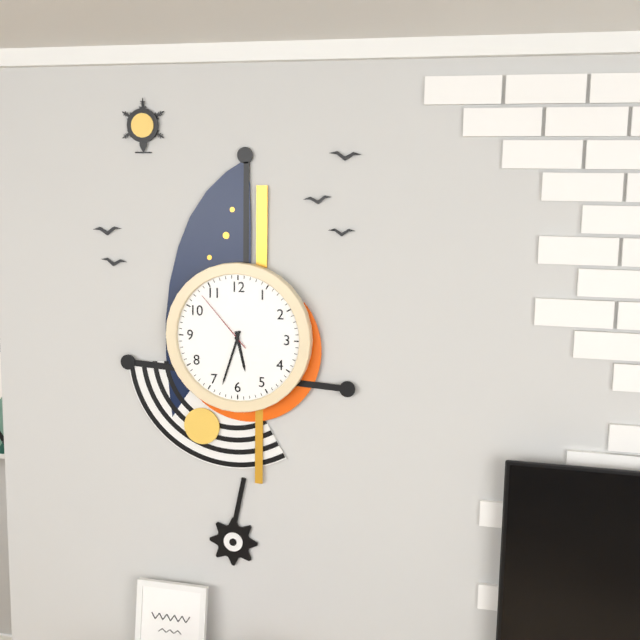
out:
5 h 33 min 53 s
